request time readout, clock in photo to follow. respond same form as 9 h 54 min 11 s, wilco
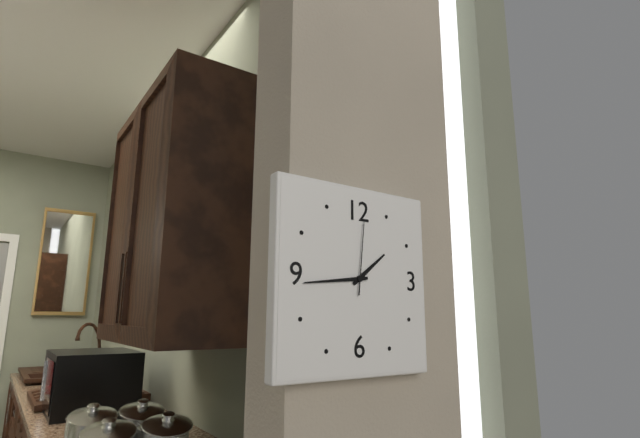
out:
1 h 44 min 01 s
